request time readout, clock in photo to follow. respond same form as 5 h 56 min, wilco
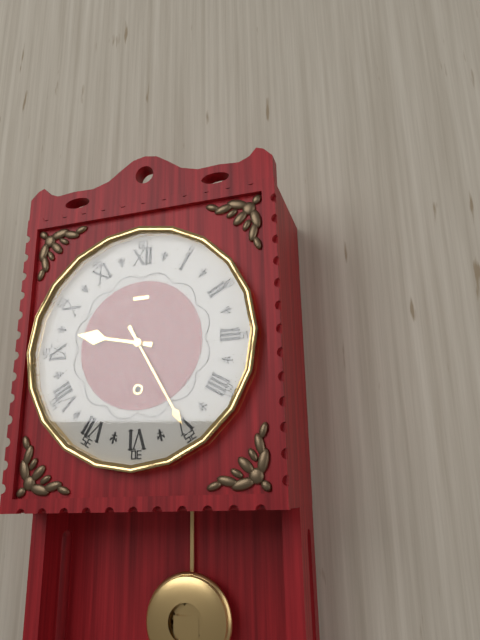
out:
9 h 25 min
